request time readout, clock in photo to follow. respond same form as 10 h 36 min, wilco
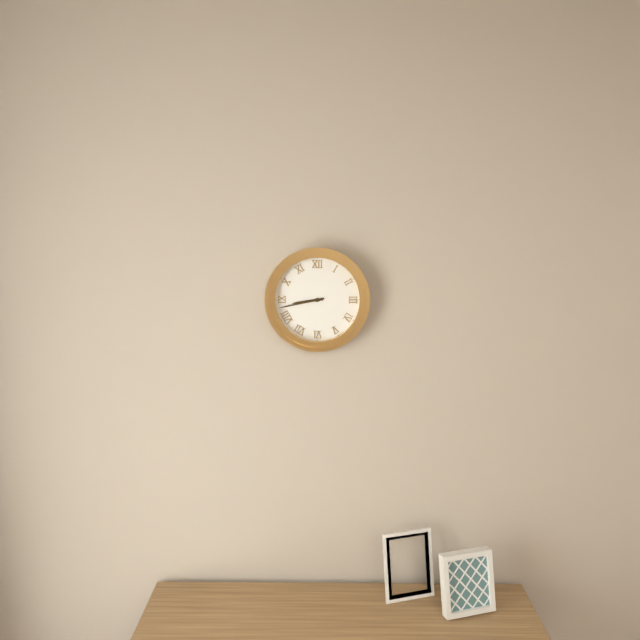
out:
8 h 43 min
